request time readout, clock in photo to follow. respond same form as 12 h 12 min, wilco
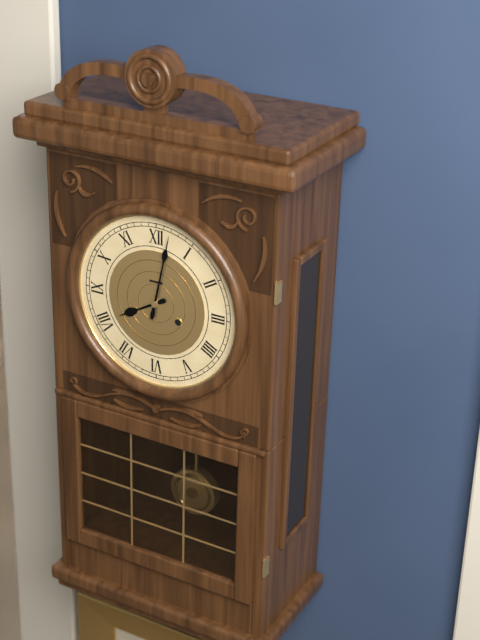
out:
8 h 02 min
